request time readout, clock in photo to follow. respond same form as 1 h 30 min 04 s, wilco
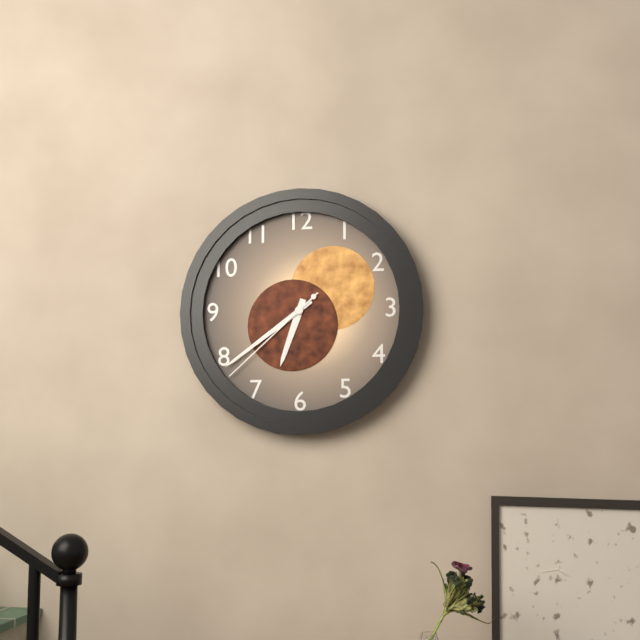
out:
6 h 39 min 38 s
